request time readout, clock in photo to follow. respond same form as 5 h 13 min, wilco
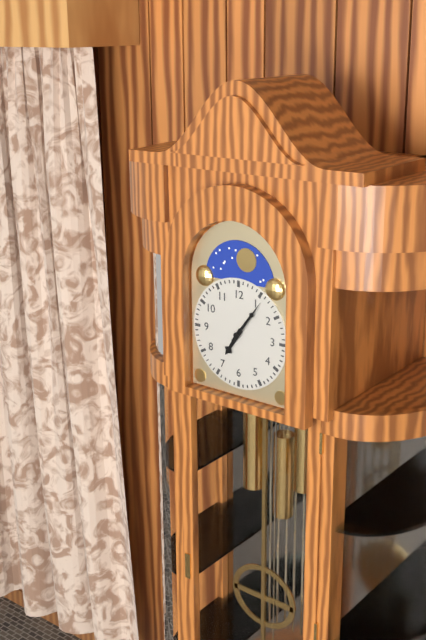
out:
7 h 06 min
